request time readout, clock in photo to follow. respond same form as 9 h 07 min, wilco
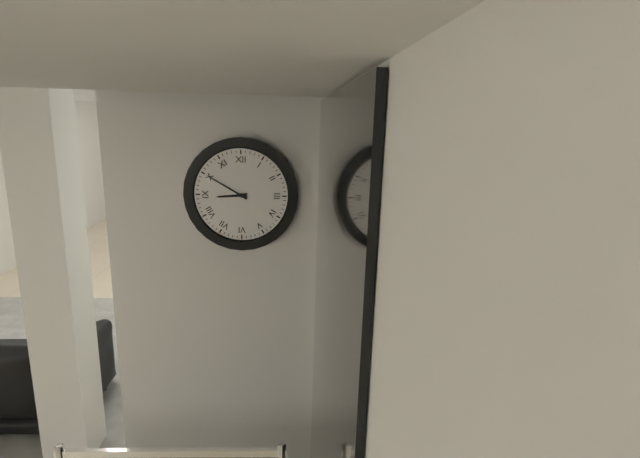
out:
8 h 50 min
